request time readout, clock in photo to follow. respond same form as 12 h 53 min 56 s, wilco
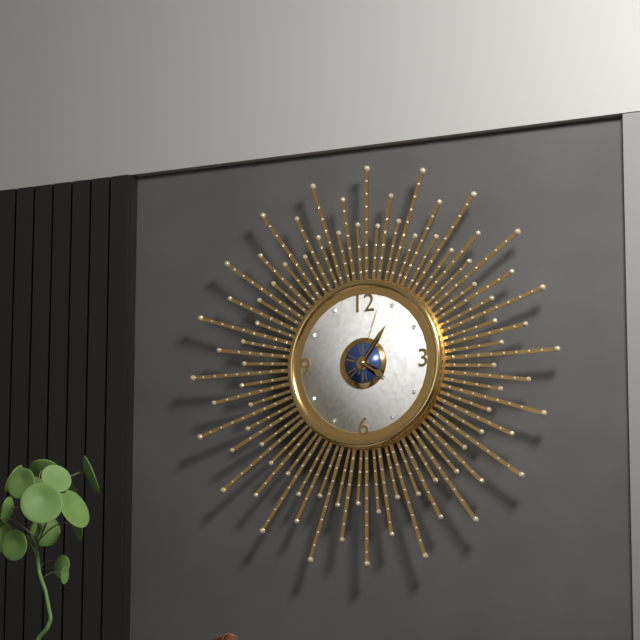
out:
4 h 06 min 03 s
